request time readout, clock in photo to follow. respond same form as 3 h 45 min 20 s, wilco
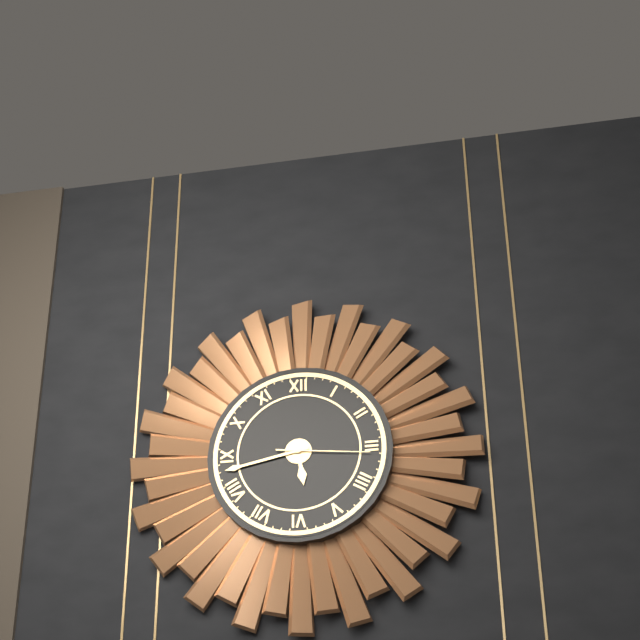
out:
5 h 43 min 16 s
